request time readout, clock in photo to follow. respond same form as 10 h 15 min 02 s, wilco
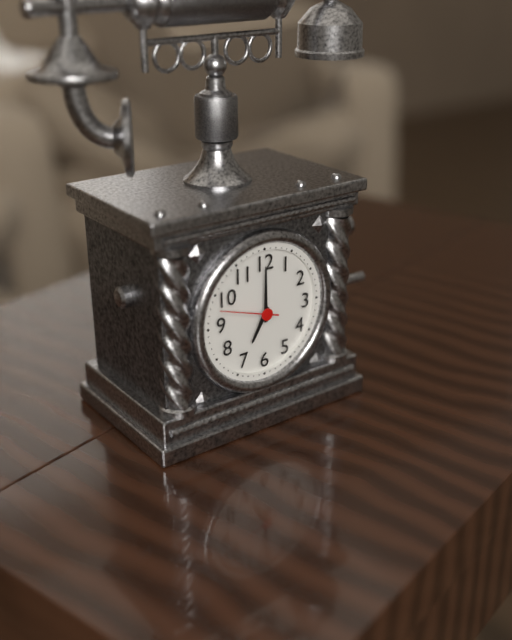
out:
7 h 00 min 48 s
